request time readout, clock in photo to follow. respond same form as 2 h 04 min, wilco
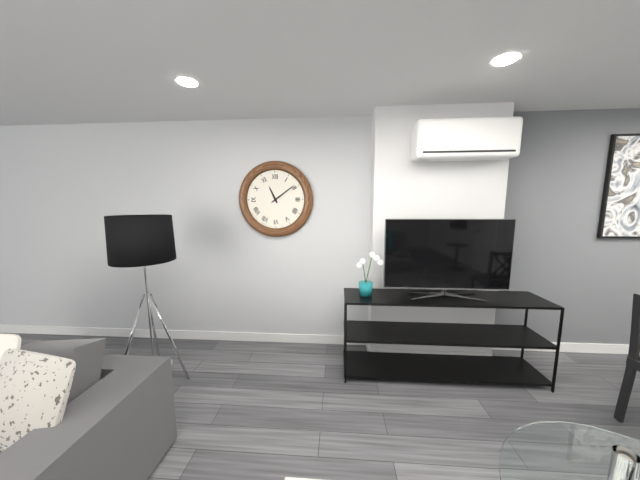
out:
11 h 09 min
